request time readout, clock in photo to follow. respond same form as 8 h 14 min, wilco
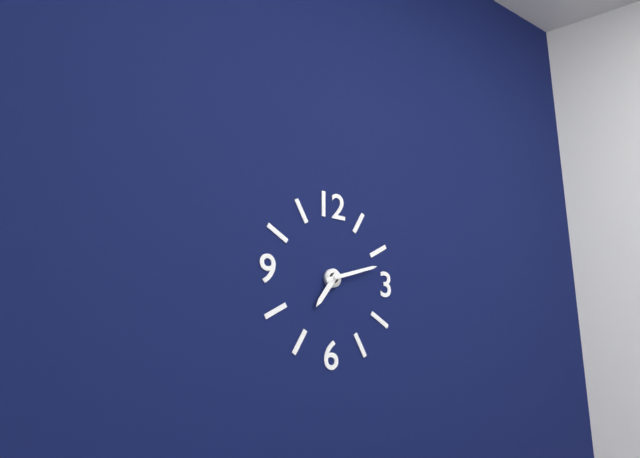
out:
7 h 12 min
